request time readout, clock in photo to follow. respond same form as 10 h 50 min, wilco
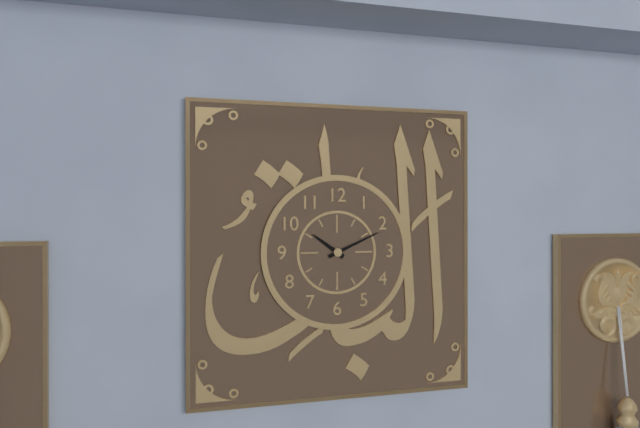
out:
10 h 11 min
